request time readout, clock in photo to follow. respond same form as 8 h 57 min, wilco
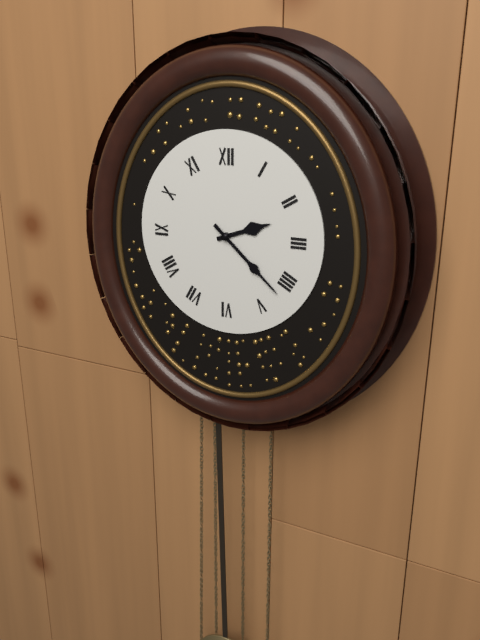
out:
2 h 22 min
